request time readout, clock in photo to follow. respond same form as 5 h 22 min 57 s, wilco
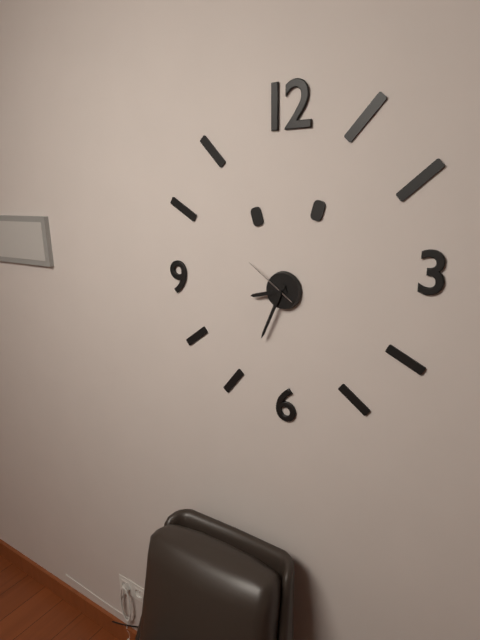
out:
8 h 34 min 51 s
